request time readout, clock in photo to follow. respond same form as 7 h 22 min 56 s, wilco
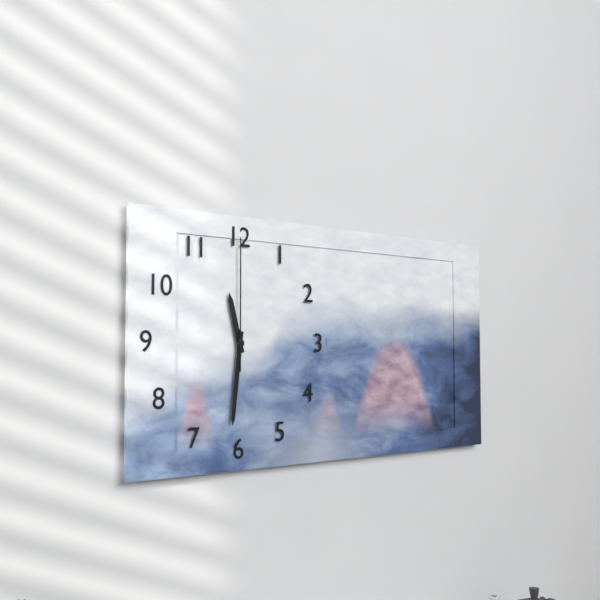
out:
11 h 31 min 00 s
